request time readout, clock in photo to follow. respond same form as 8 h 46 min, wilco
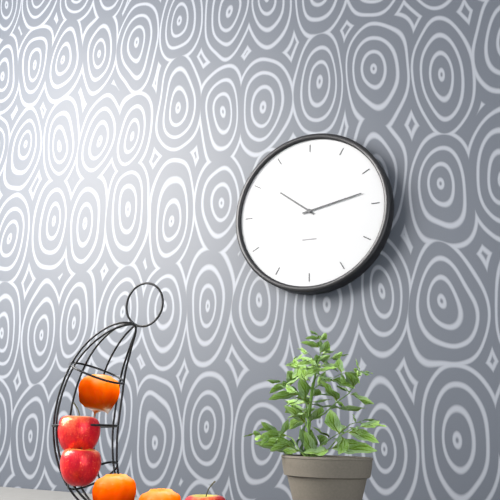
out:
10 h 13 min
